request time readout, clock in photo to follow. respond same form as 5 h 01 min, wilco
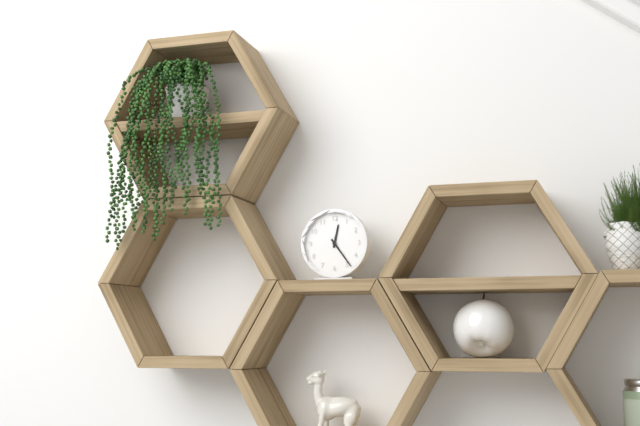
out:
12 h 24 min
